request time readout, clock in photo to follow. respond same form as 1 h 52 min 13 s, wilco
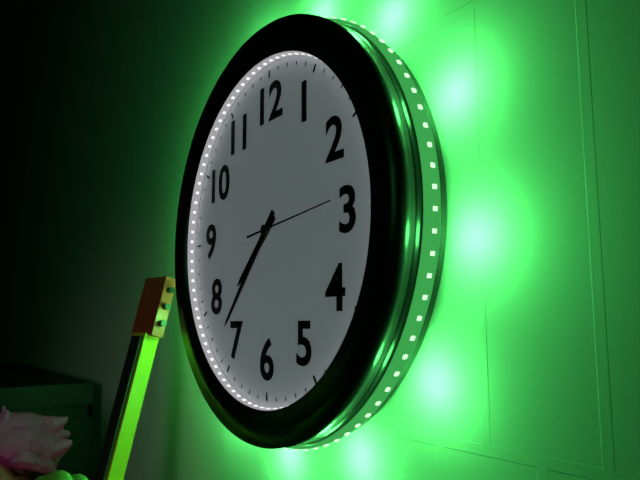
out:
7 h 37 min 14 s
